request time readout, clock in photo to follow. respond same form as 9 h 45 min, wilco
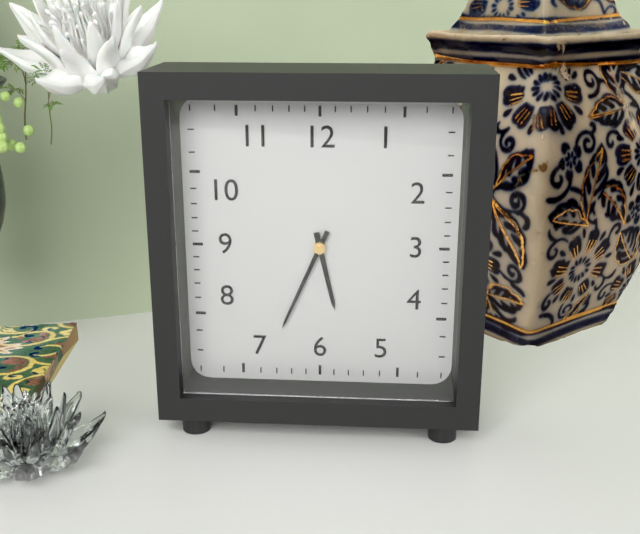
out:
5 h 34 min
